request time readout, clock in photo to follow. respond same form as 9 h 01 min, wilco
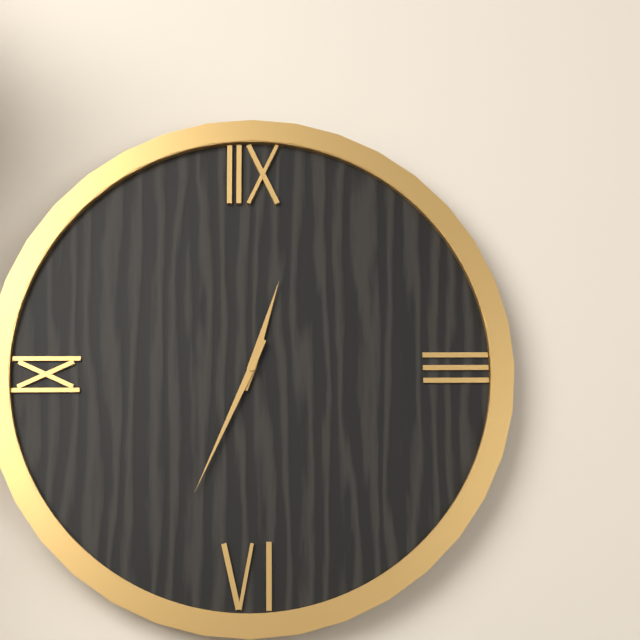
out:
12 h 34 min
